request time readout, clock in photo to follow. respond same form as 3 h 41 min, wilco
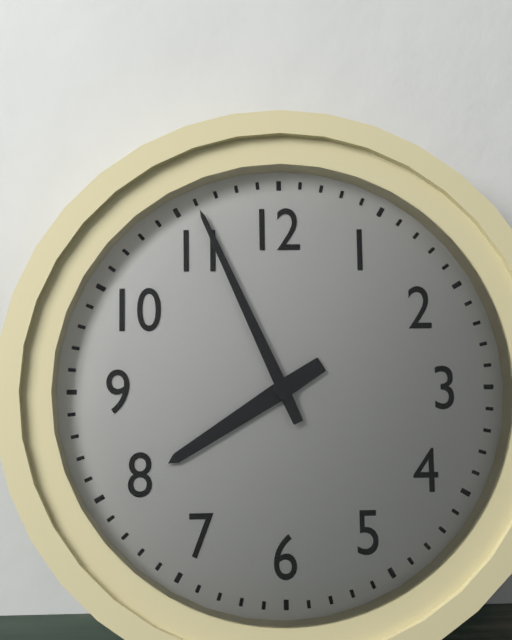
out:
7 h 56 min
